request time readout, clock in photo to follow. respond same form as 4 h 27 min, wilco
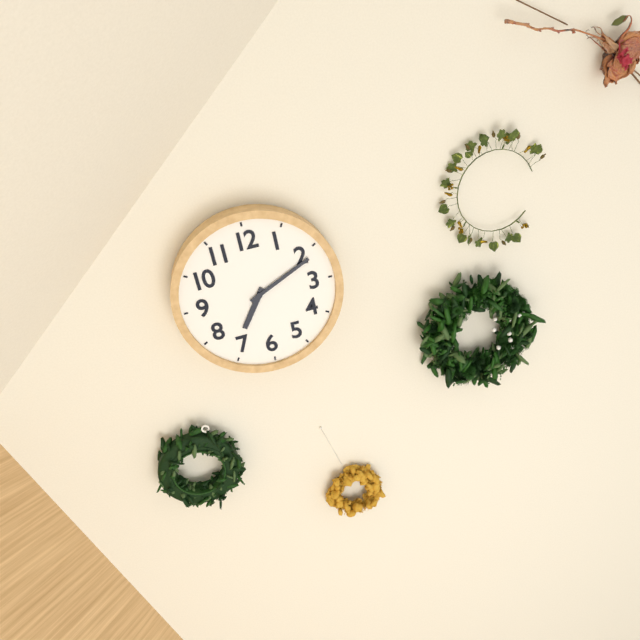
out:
7 h 11 min
